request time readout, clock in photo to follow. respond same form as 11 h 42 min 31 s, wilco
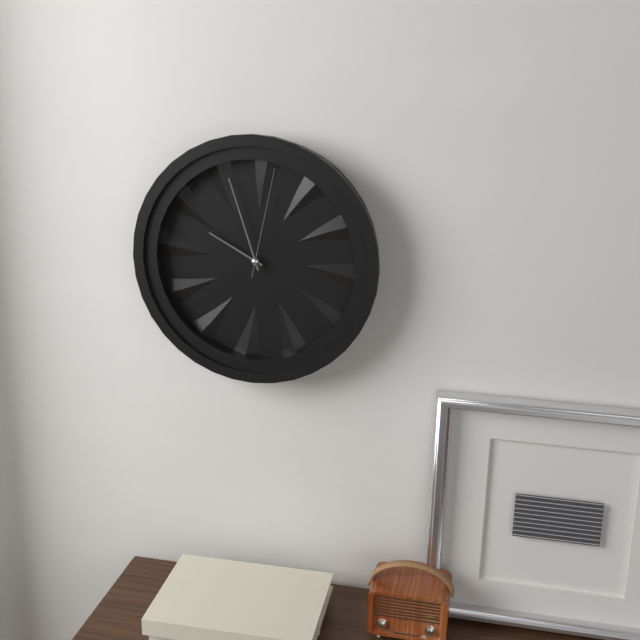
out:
9 h 57 min 02 s
